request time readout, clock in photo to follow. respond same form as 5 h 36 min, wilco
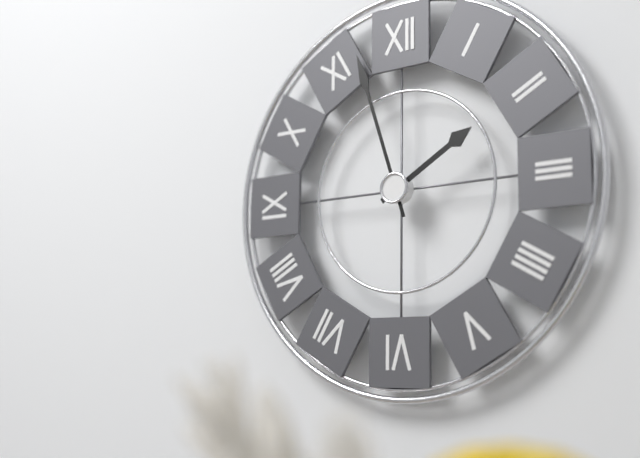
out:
1 h 57 min
